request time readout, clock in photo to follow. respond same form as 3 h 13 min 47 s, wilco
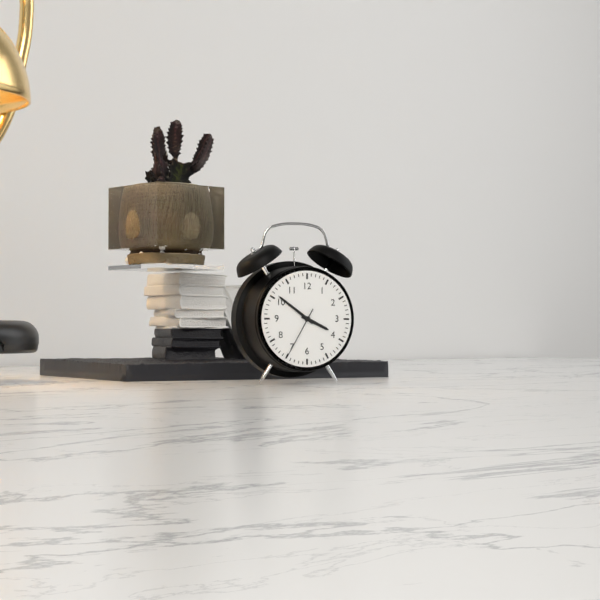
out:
3 h 51 min 35 s
